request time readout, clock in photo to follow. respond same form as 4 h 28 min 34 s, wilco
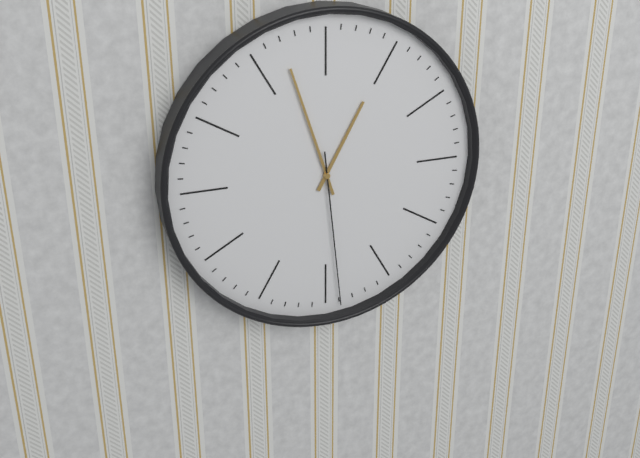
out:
12 h 57 min 29 s
